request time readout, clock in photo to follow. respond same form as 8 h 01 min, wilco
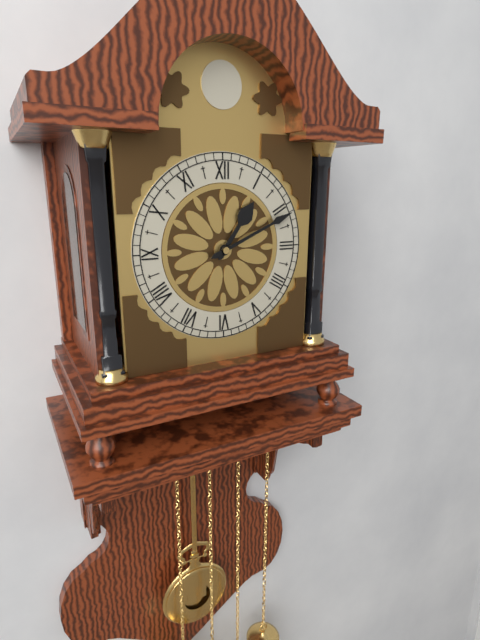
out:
1 h 11 min
